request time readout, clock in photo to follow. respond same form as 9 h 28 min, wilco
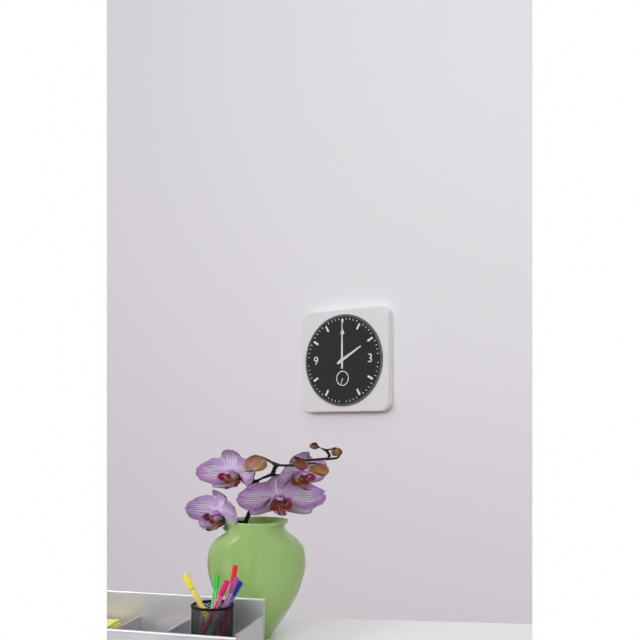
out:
2 h 00 min
